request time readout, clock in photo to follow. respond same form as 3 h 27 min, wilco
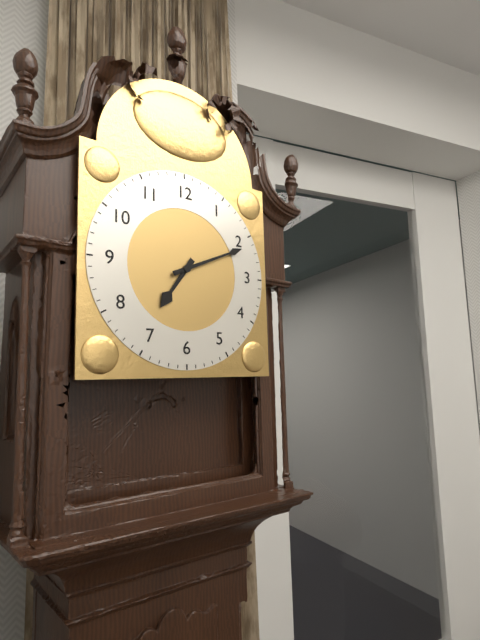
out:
7 h 11 min
